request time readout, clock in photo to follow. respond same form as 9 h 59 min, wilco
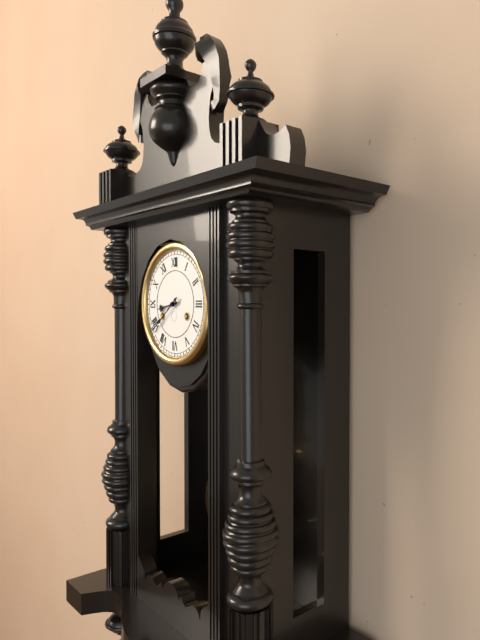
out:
8 h 39 min
